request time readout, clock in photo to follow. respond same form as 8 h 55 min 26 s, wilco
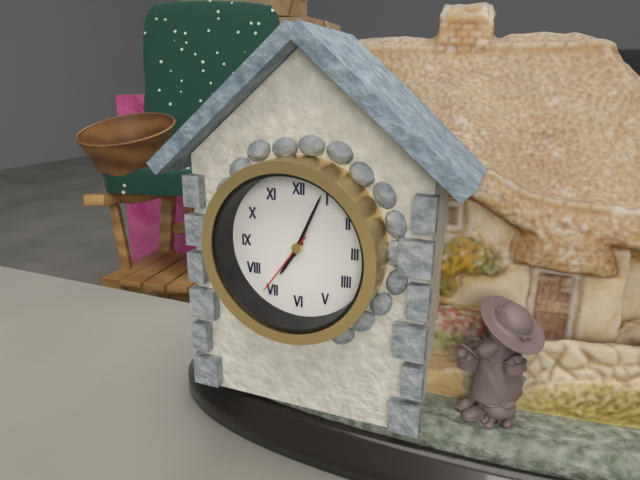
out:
7 h 04 min 36 s
